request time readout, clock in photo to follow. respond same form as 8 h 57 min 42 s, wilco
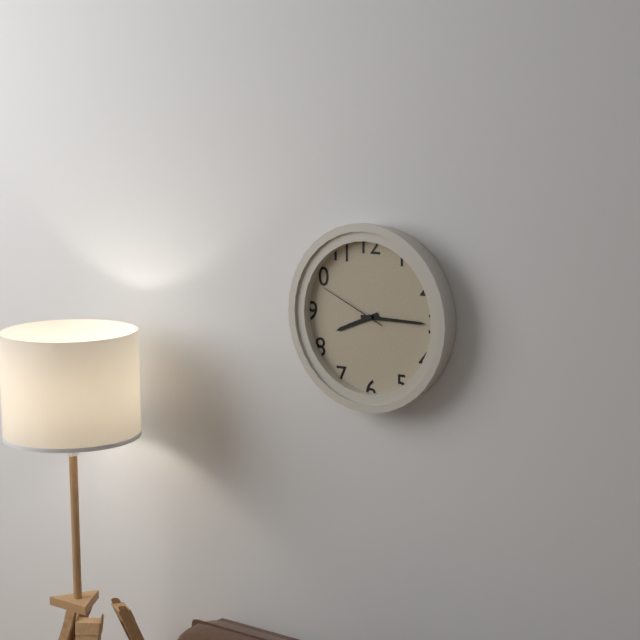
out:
8 h 15 min 49 s
